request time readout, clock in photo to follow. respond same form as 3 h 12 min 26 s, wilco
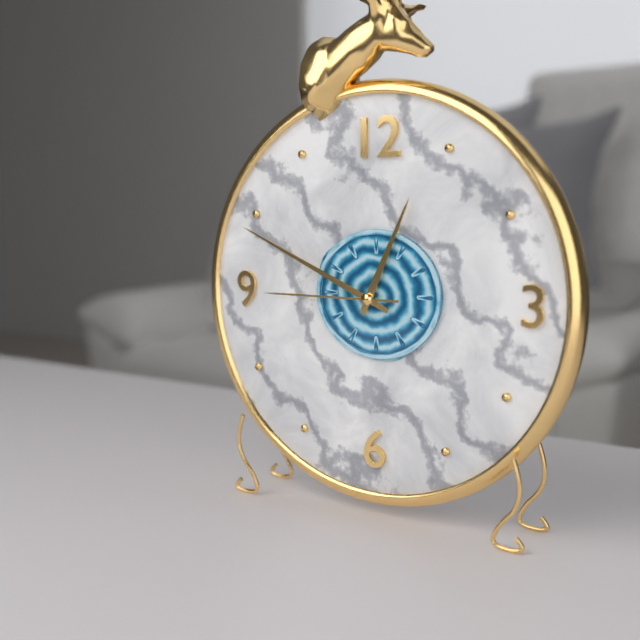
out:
12 h 49 min 45 s
